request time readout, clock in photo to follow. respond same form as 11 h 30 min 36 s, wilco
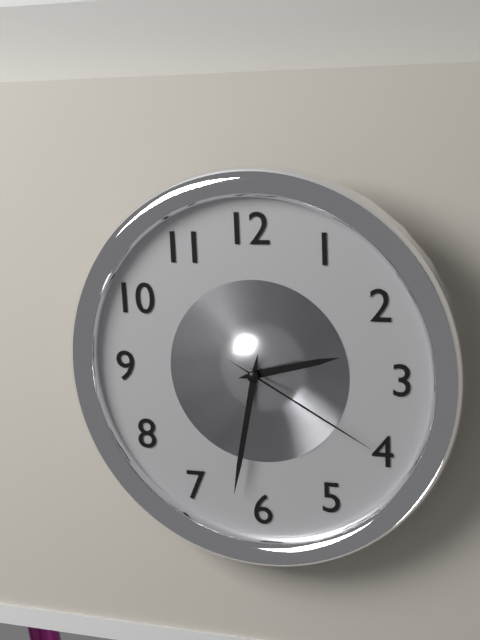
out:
2 h 32 min 20 s
